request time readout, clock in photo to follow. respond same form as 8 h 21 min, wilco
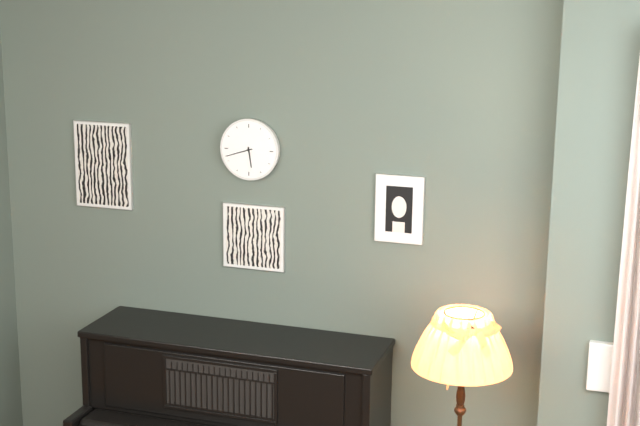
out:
5 h 42 min
